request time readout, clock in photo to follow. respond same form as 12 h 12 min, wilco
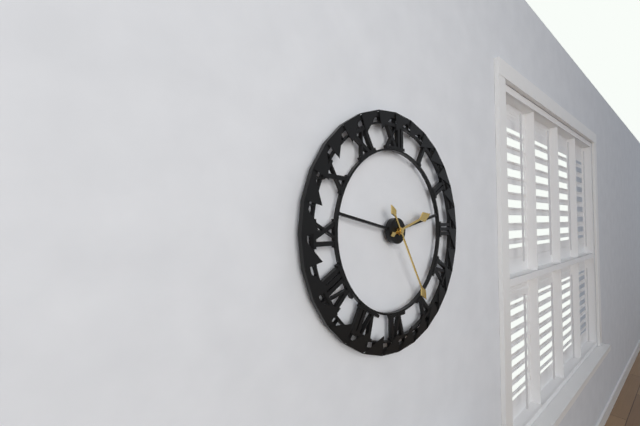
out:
2 h 25 min
